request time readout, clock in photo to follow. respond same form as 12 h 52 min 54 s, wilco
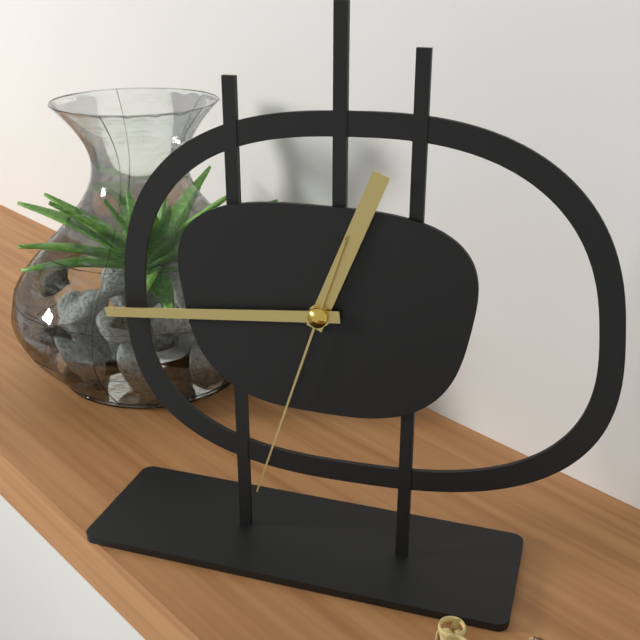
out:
12 h 44 min 33 s
